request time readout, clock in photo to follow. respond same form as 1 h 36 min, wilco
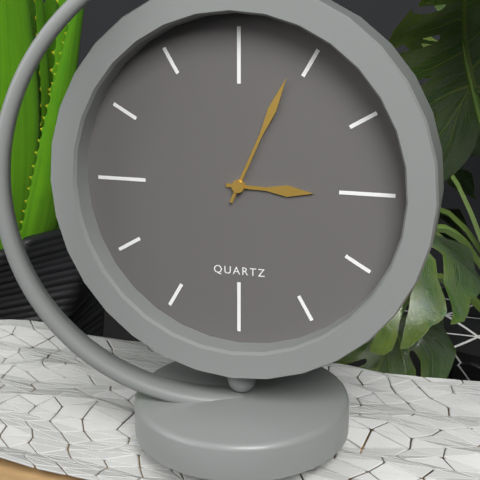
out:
3 h 04 min
